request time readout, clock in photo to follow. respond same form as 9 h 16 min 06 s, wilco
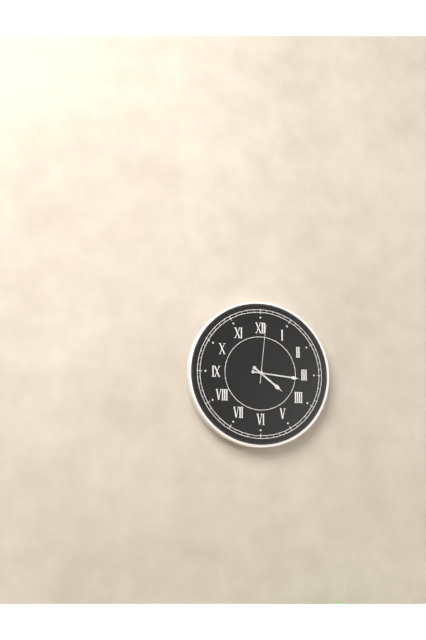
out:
4 h 16 min 01 s
